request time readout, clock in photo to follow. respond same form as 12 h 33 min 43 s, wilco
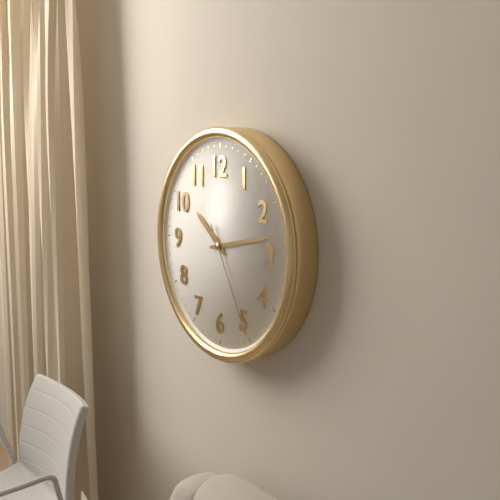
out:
10 h 13 min 25 s
